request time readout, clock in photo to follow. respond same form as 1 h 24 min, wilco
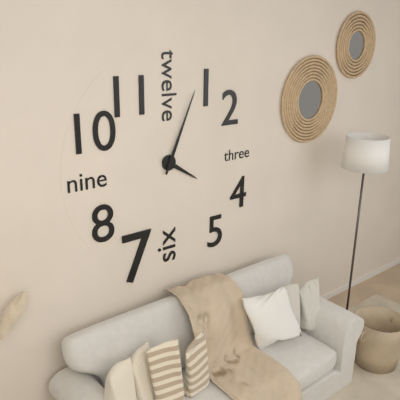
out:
4 h 04 min
